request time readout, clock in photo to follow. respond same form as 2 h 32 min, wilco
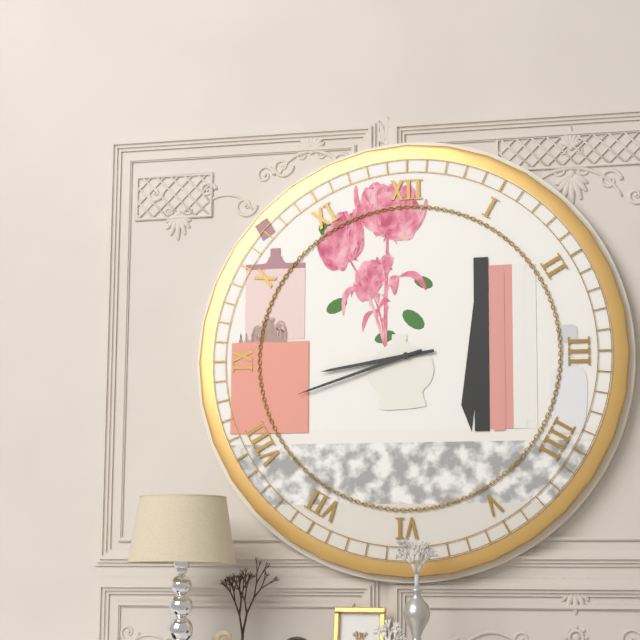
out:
8 h 42 min
